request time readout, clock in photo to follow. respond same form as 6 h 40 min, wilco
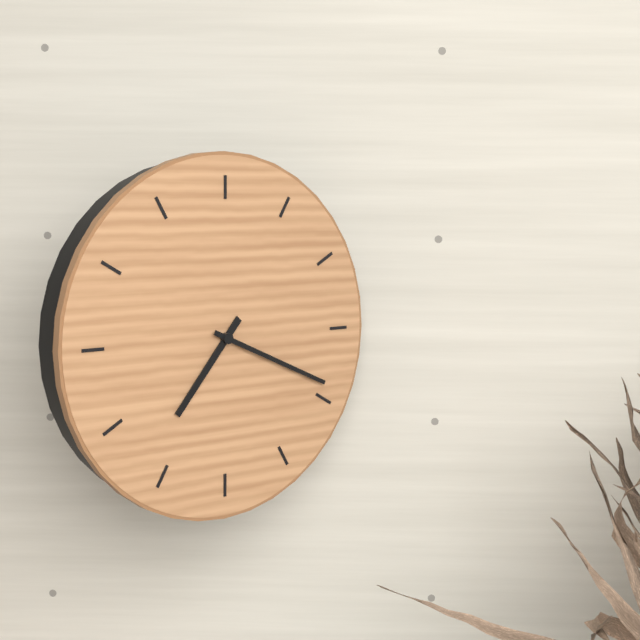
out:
7 h 19 min
